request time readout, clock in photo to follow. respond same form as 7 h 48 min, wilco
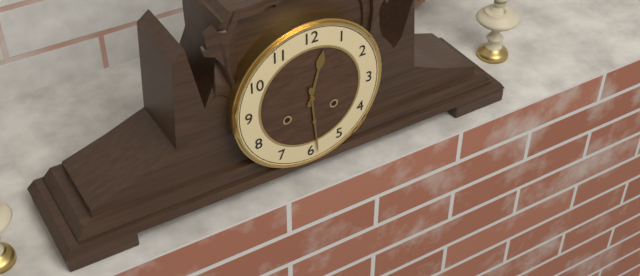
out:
12 h 29 min
